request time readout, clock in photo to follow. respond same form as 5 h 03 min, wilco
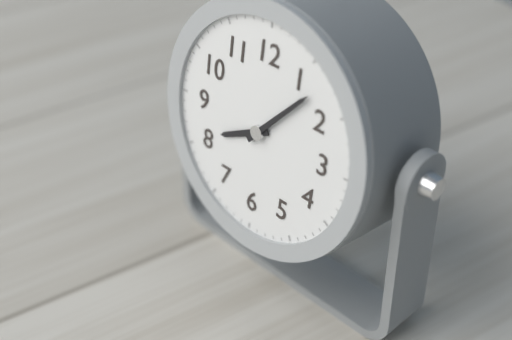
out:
8 h 07 min
